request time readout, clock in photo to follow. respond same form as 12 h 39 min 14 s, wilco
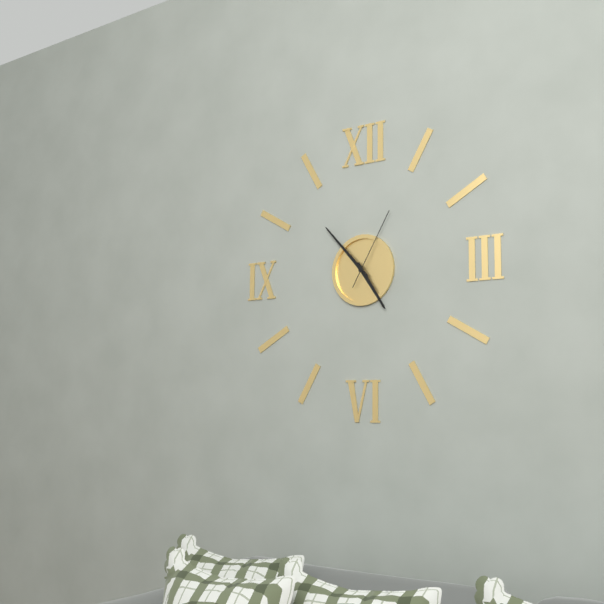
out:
4 h 53 min 05 s
